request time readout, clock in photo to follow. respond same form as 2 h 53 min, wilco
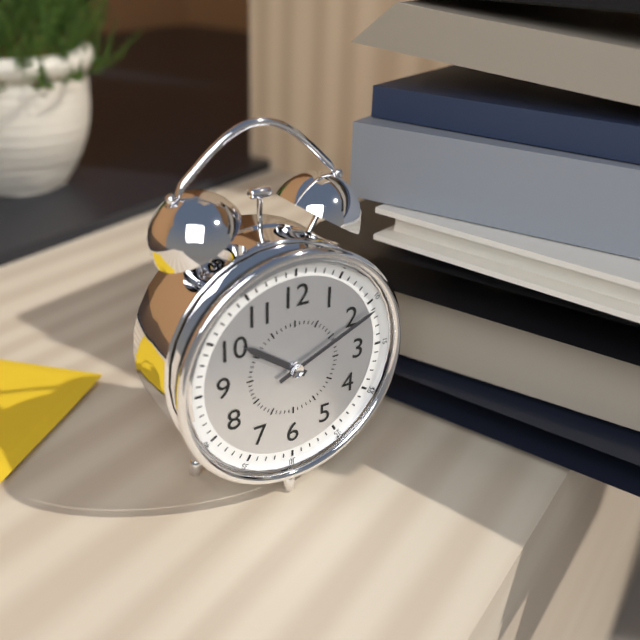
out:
10 h 11 min
